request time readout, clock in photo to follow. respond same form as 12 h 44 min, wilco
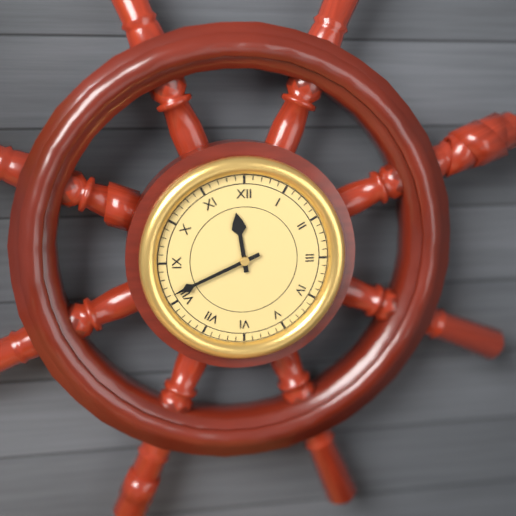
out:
11 h 41 min
